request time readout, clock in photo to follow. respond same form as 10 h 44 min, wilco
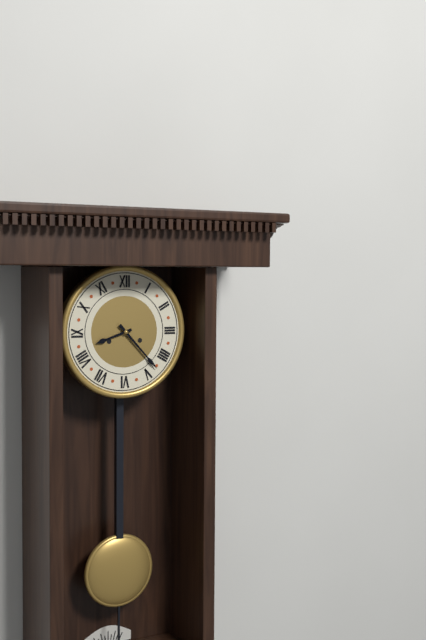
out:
8 h 23 min
